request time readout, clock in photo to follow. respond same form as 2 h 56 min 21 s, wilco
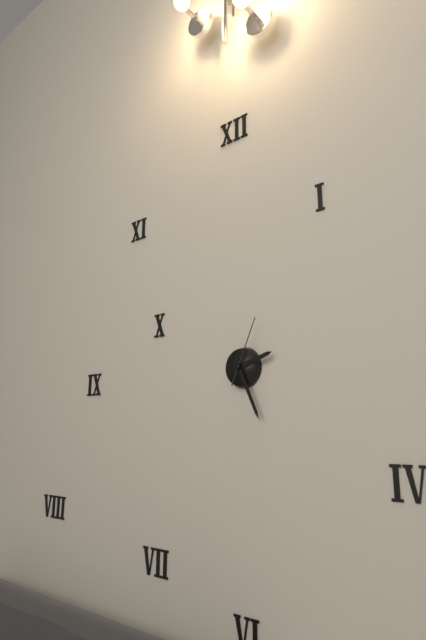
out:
2 h 26 min 04 s
